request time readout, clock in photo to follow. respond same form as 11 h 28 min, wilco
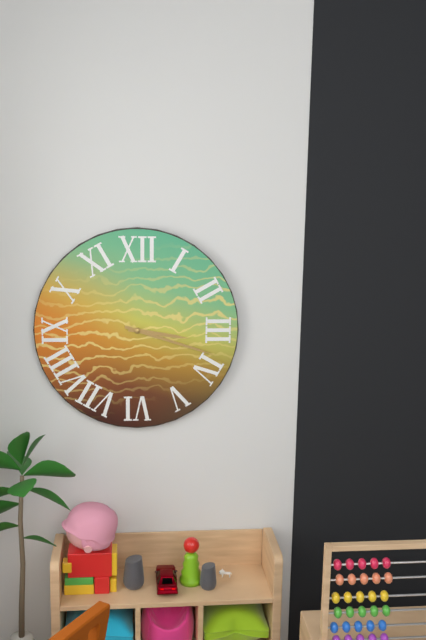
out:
3 h 18 min
